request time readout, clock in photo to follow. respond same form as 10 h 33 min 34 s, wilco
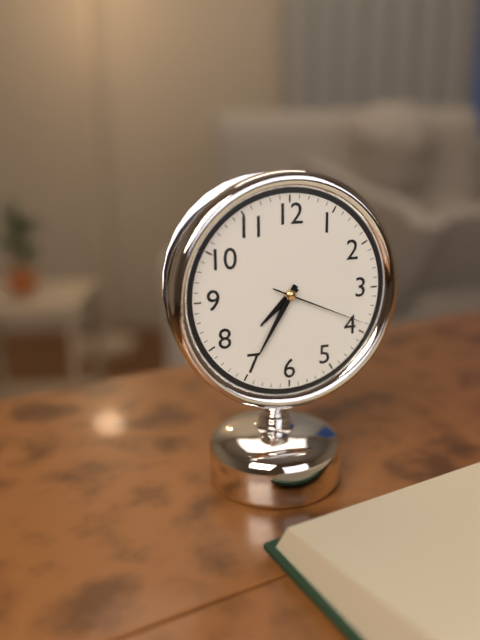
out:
7 h 35 min 19 s
